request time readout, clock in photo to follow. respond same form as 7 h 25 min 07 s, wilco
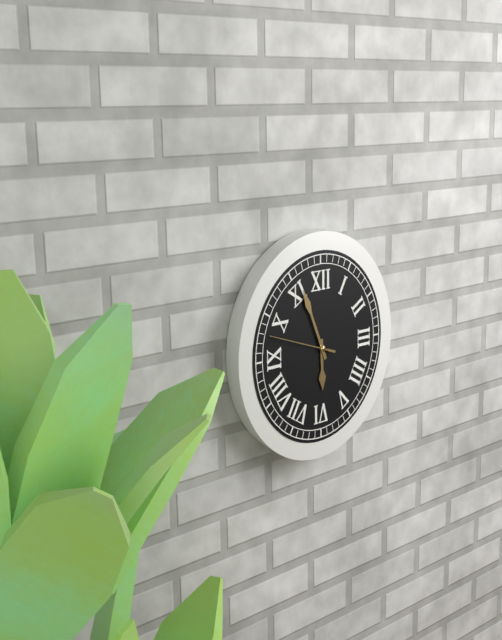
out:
5 h 56 min 48 s
